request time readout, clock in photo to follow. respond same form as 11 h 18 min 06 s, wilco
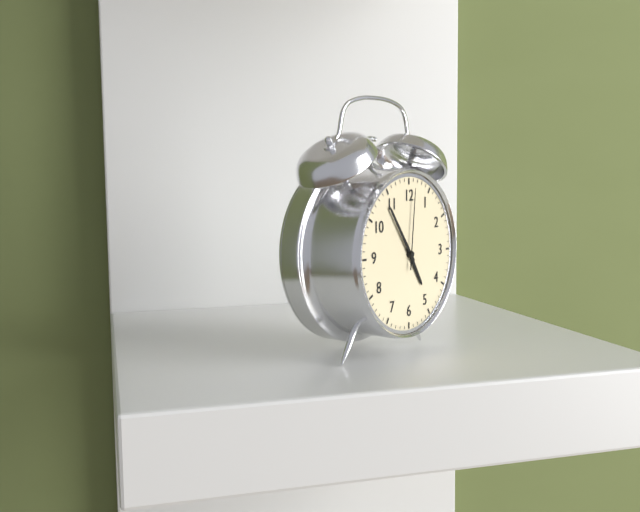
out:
4 h 54 min 01 s
